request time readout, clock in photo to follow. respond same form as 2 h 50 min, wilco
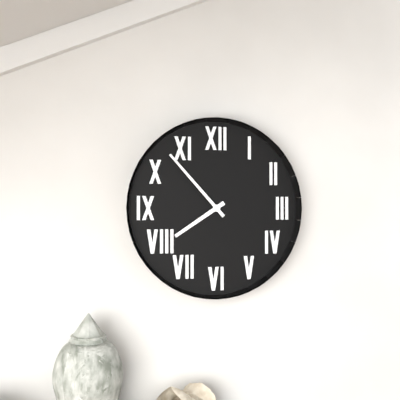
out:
7 h 53 min
